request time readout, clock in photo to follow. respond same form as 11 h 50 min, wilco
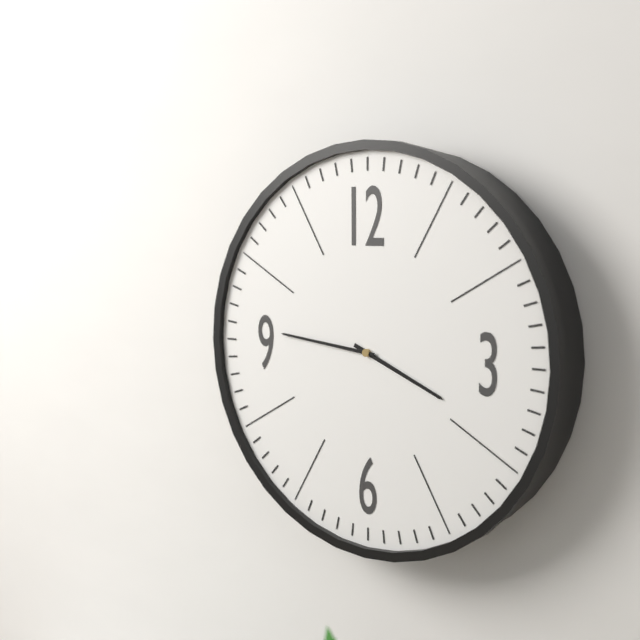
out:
3 h 46 min
